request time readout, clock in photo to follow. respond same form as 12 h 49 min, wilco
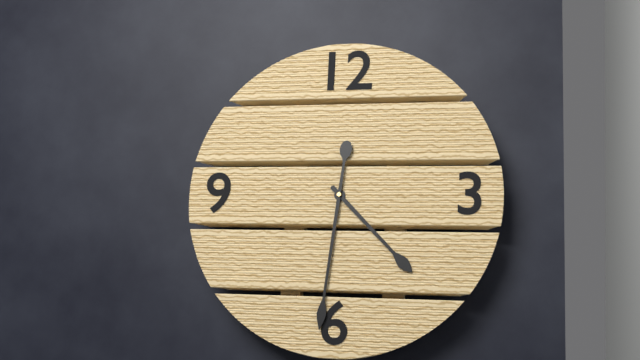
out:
4 h 31 min
